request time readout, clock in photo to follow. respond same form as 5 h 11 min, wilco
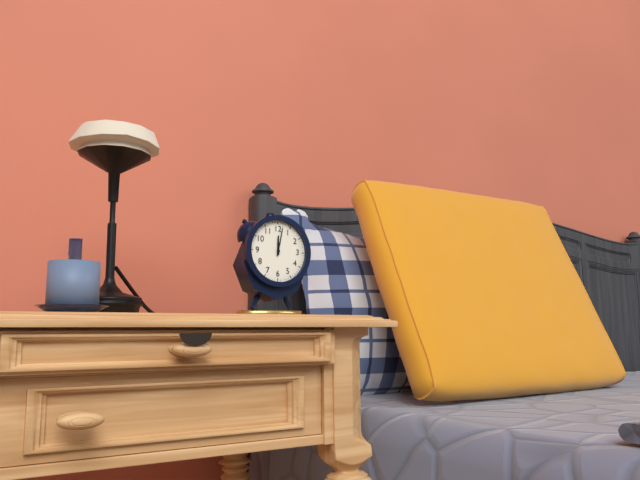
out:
12 h 02 min
